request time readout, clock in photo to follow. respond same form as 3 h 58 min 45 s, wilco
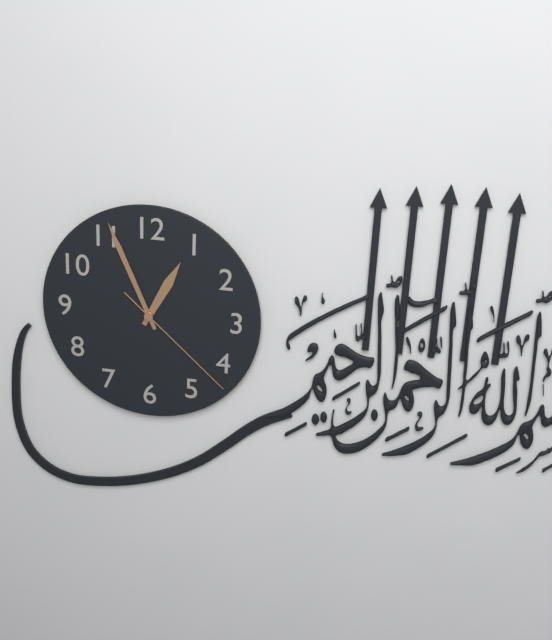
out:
12 h 56 min 22 s
